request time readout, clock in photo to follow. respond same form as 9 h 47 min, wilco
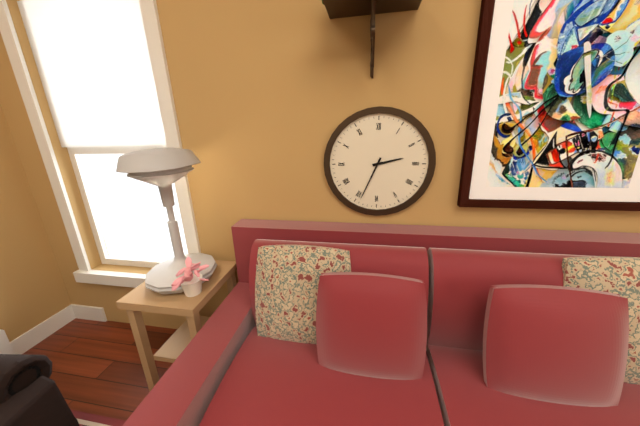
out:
2 h 34 min
